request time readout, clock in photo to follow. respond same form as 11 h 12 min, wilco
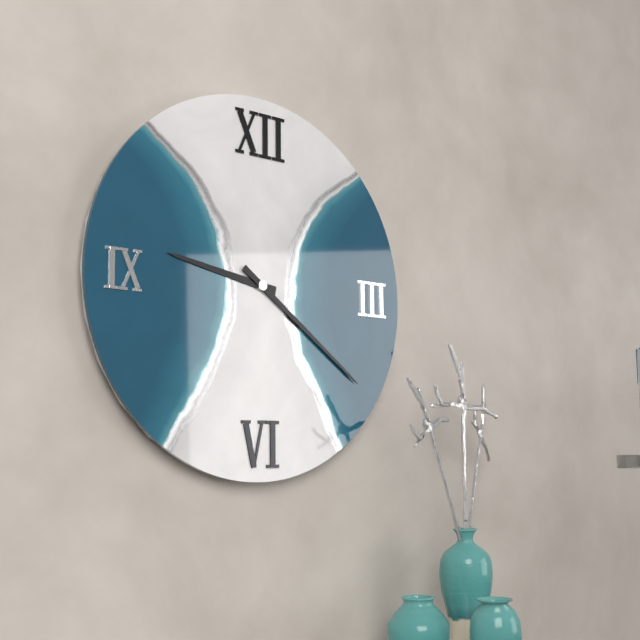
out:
9 h 21 min
